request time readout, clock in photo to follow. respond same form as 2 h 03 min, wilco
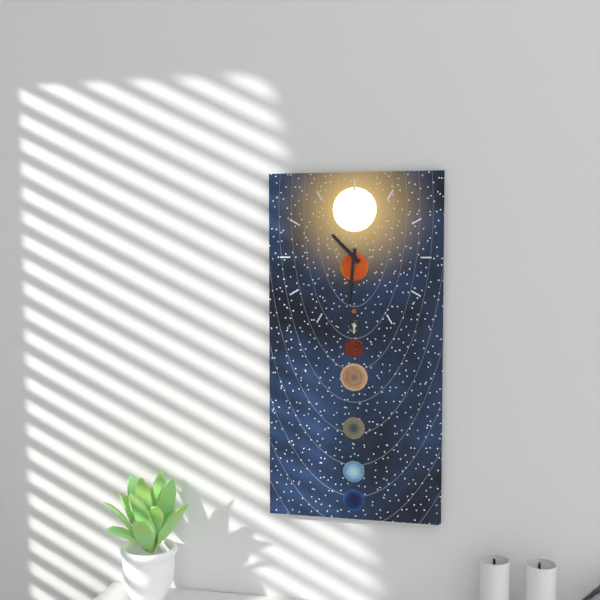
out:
10 h 31 min
